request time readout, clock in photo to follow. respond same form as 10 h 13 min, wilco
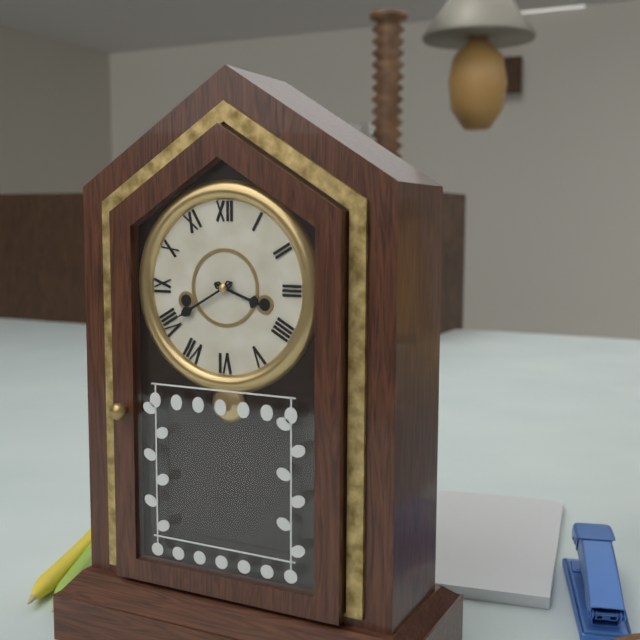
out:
3 h 40 min
